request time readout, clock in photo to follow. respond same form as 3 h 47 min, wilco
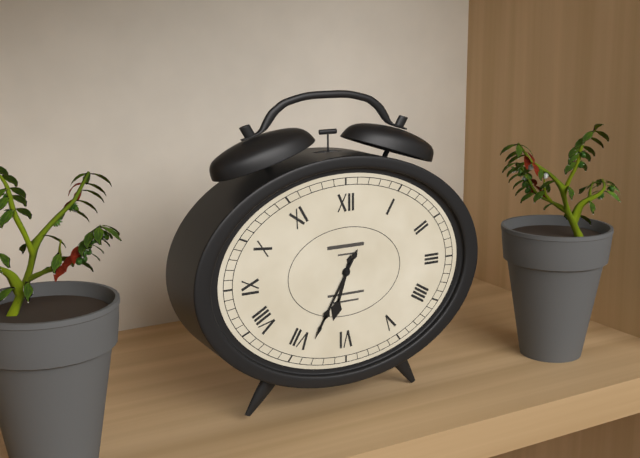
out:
6 h 35 min
